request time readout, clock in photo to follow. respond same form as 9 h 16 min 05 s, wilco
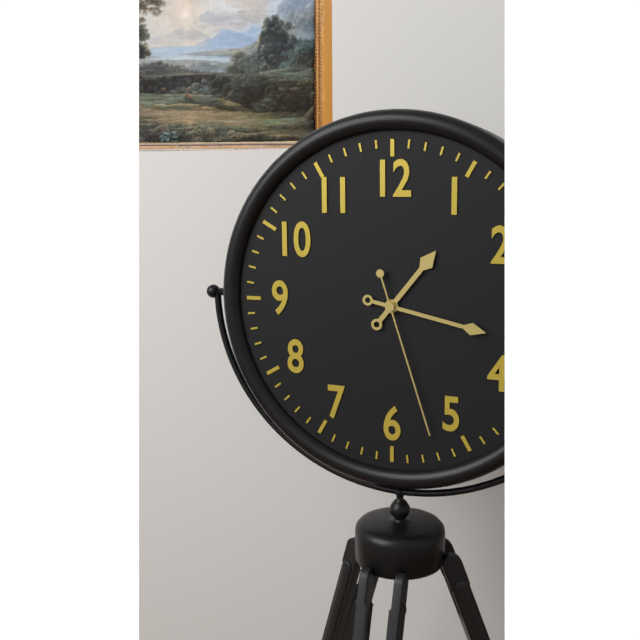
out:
1 h 17 min 27 s
